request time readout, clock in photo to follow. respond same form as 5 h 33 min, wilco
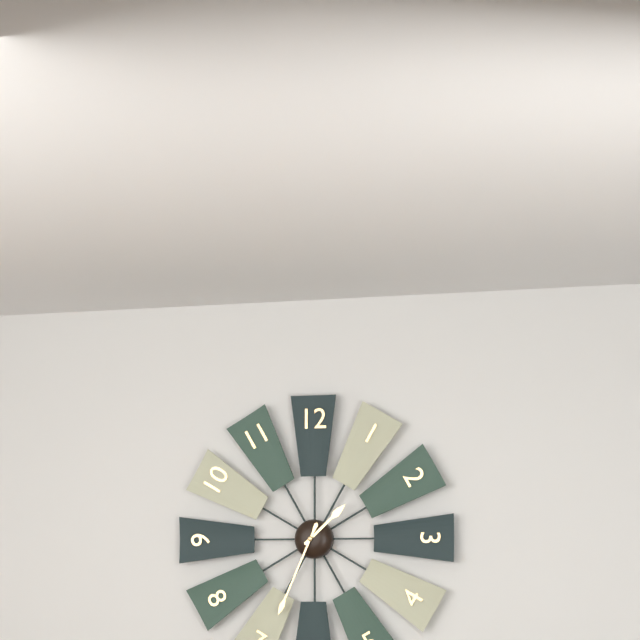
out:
1 h 34 min
